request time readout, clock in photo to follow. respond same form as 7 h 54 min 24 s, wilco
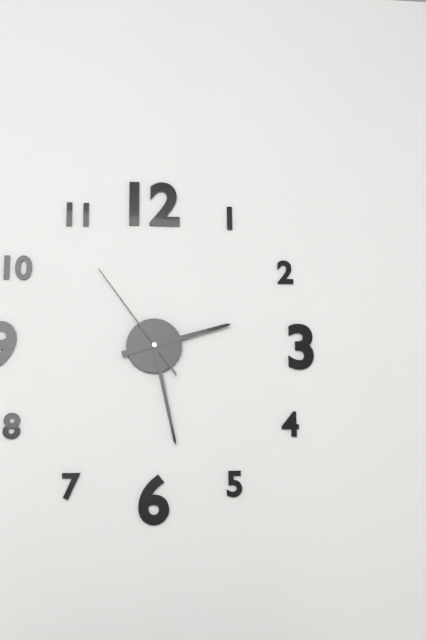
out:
2 h 28 min 54 s
